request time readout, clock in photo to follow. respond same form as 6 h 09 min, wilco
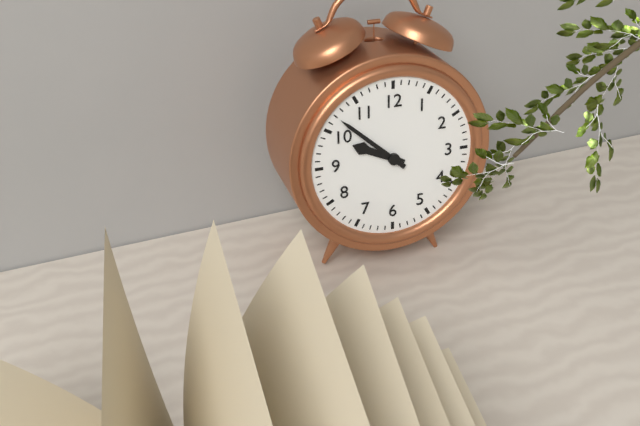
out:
9 h 52 min
